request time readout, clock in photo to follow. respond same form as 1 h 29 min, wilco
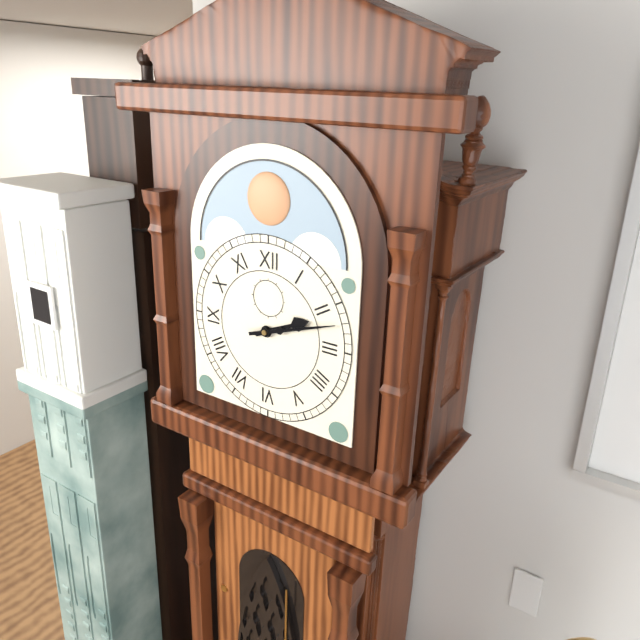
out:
2 h 12 min
